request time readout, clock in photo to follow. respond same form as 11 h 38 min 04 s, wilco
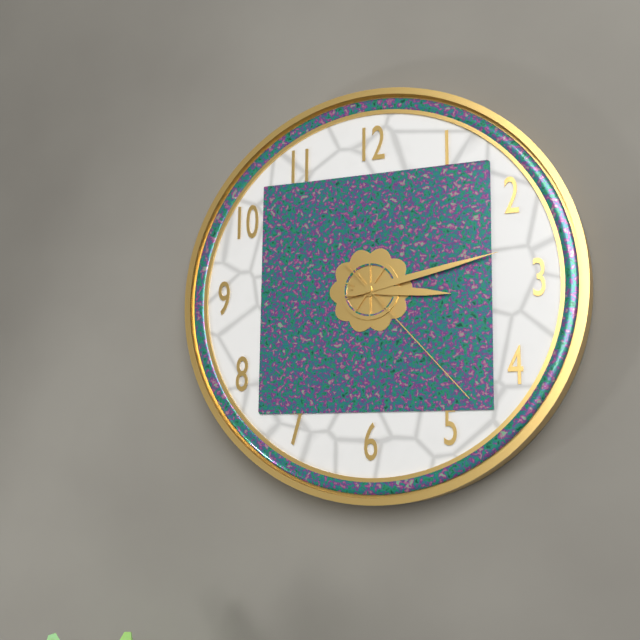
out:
3 h 13 min 23 s
